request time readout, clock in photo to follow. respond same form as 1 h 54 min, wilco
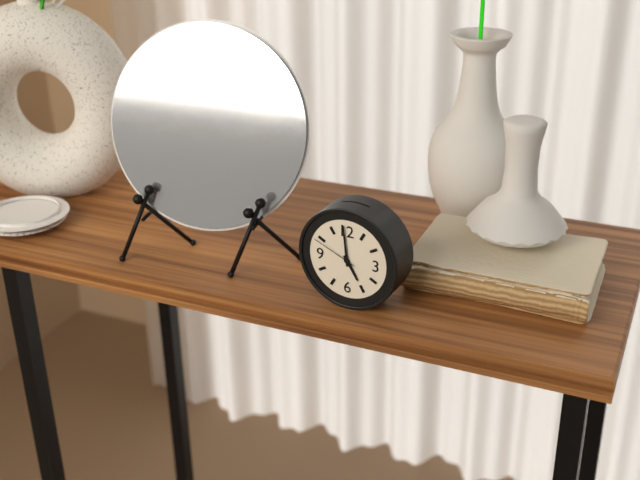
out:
4 h 59 min
